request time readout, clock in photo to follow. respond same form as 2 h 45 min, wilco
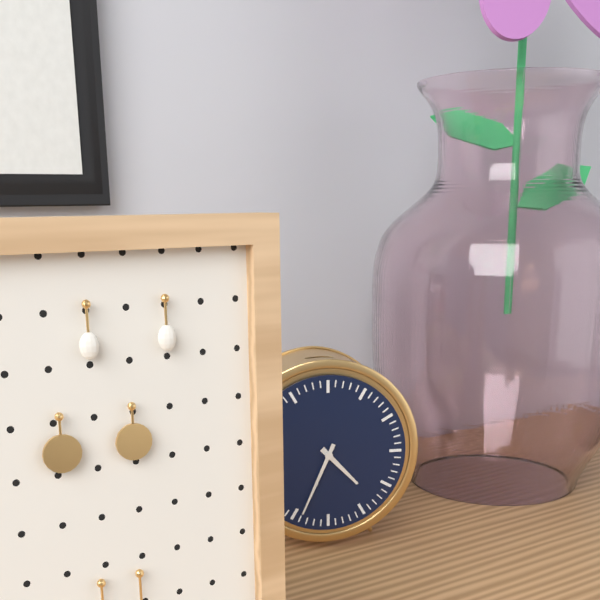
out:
4 h 34 min
